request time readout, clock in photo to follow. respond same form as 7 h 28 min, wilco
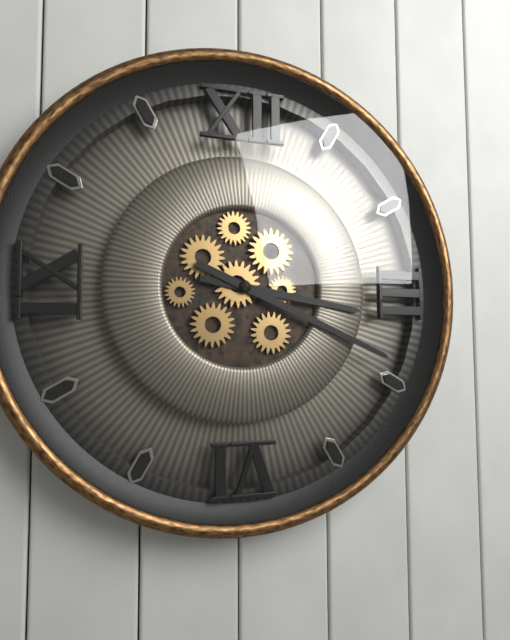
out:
3 h 19 min
